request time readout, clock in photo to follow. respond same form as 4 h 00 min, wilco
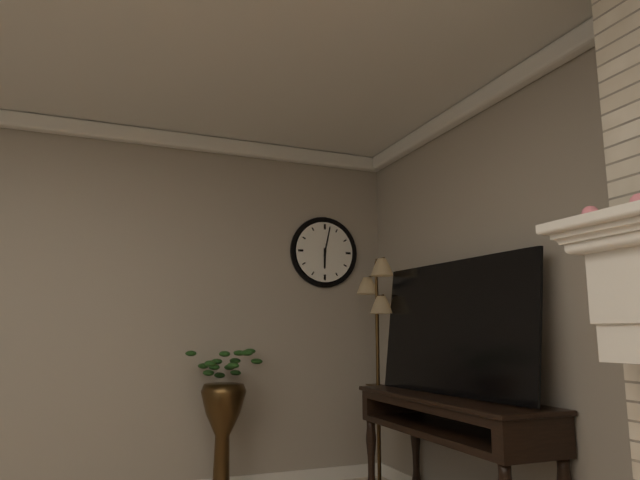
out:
6 h 02 min
